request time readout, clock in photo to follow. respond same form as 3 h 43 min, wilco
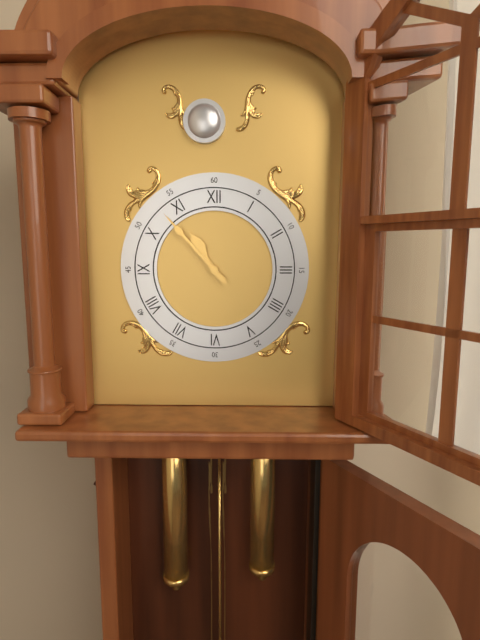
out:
10 h 53 min
